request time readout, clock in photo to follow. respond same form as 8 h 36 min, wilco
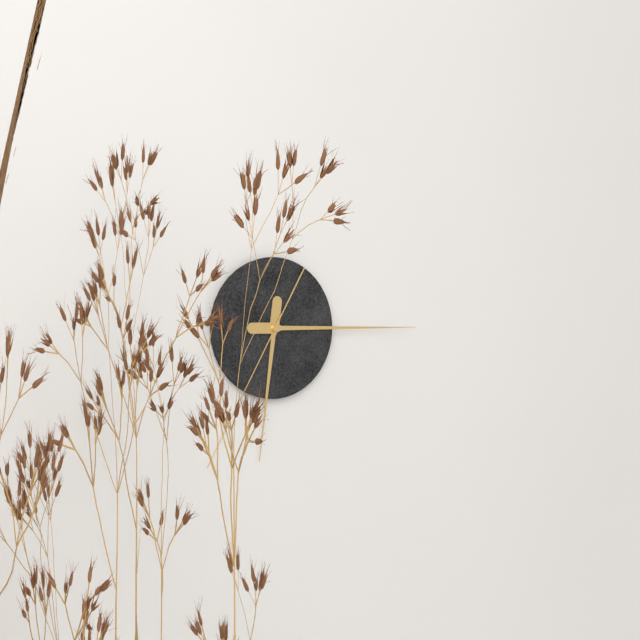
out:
6 h 15 min
